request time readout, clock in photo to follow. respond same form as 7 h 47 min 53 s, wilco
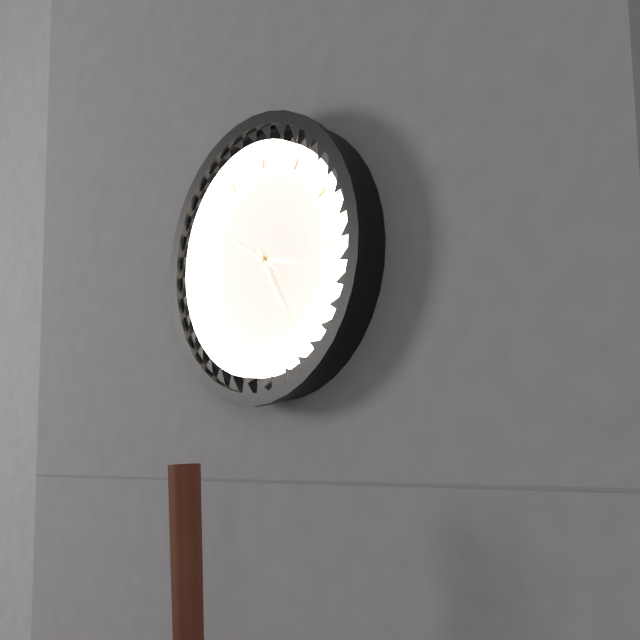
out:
3 h 25 min 50 s
